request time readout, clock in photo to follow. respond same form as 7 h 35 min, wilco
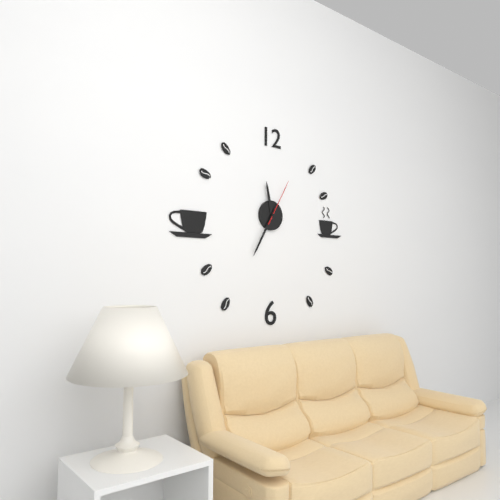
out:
11 h 35 min
